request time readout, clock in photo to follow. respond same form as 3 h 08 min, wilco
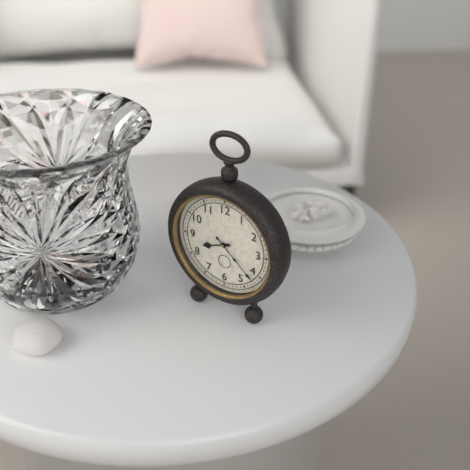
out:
8 h 22 min
